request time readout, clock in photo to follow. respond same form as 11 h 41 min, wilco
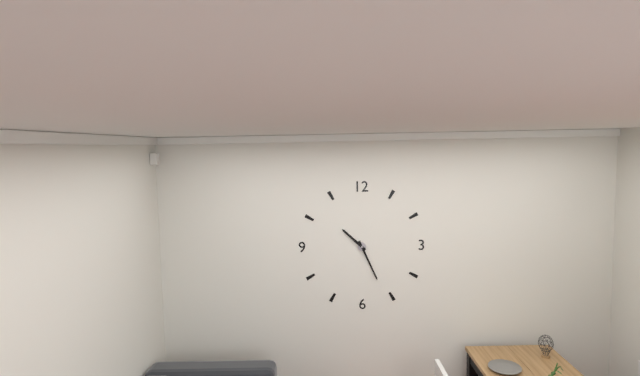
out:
10 h 26 min
